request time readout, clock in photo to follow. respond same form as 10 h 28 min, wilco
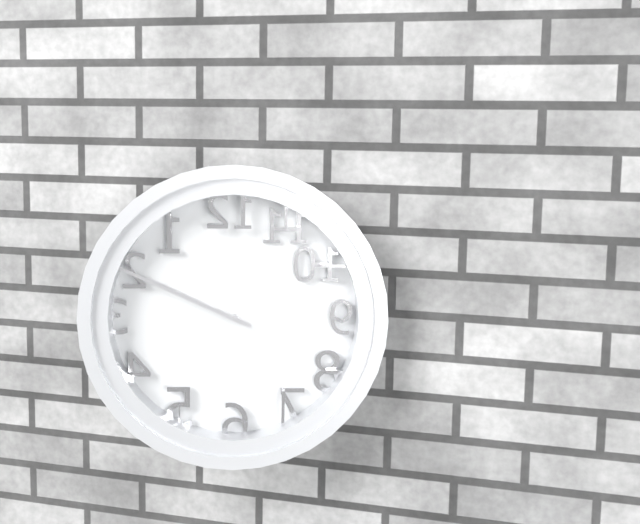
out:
9 h 49 min
